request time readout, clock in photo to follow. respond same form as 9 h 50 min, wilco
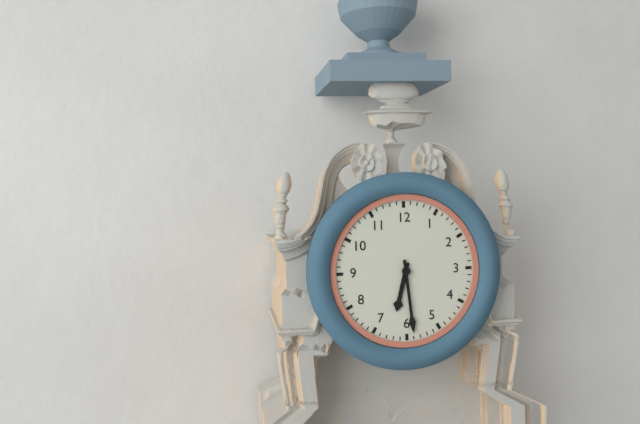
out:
6 h 29 min
